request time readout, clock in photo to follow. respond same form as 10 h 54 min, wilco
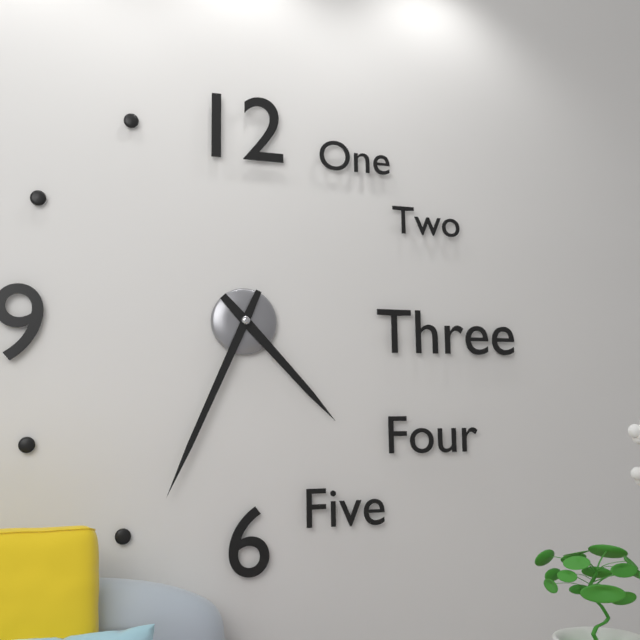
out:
4 h 34 min
